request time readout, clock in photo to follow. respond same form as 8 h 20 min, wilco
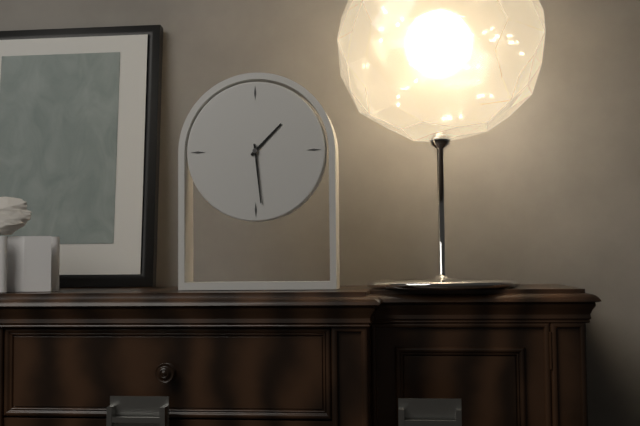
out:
1 h 29 min
